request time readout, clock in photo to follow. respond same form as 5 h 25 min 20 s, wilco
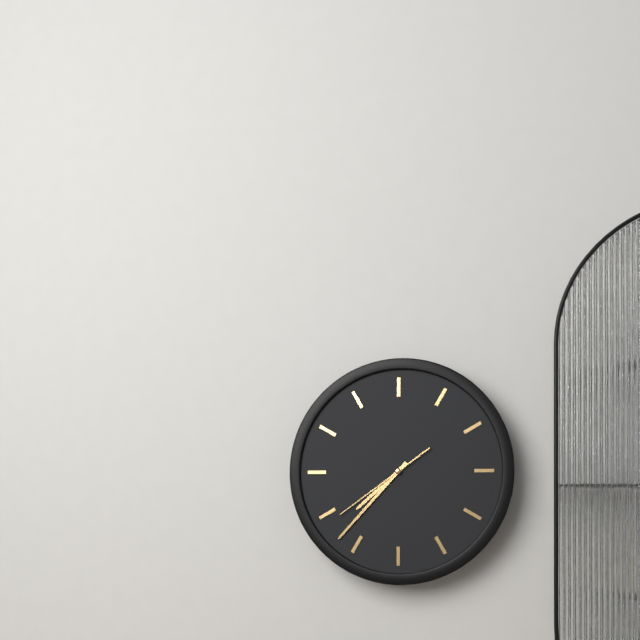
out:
7 h 37 min 39 s
